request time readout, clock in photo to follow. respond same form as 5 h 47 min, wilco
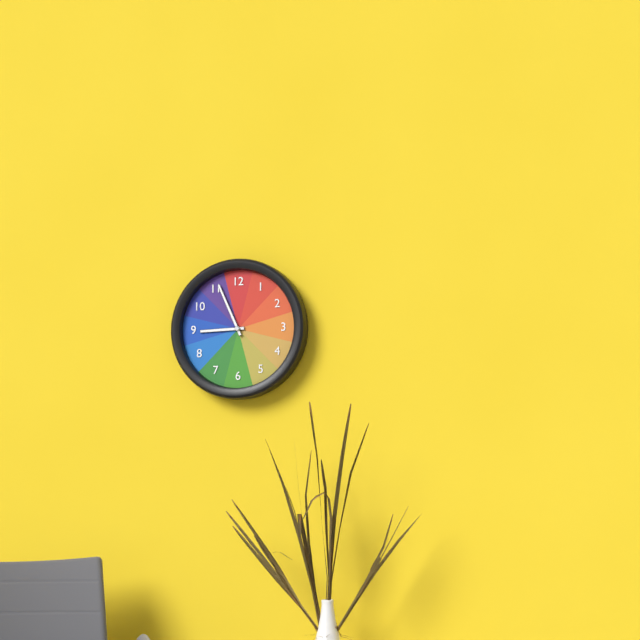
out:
8 h 56 min
